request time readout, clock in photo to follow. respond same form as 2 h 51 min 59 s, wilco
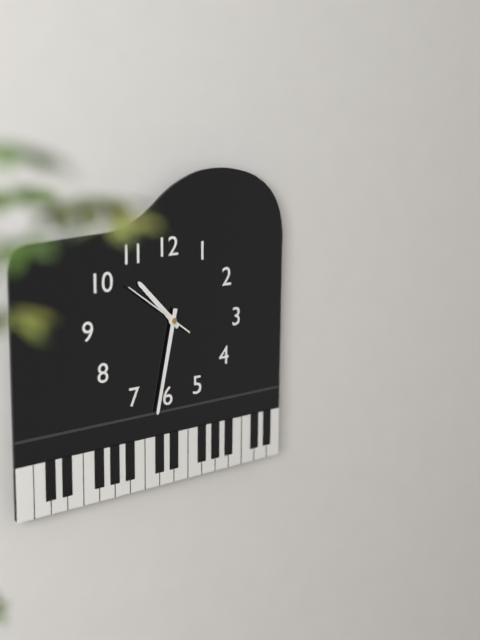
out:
10 h 32 min 51 s
